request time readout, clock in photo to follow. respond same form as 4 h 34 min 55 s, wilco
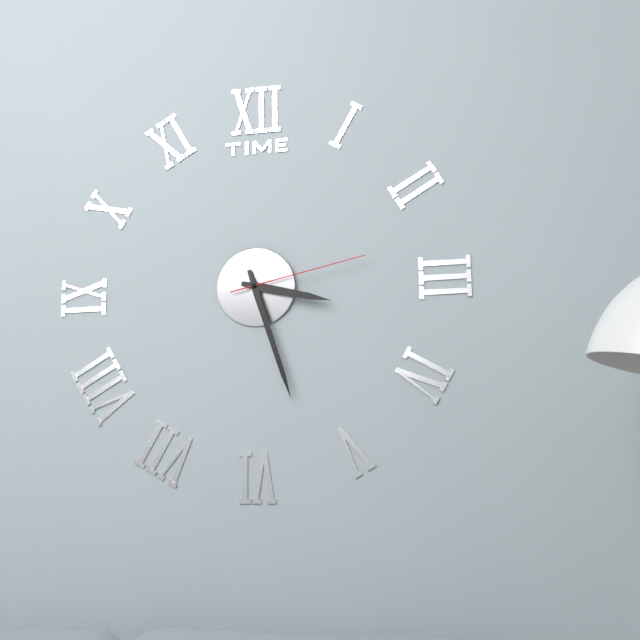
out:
3 h 27 min 13 s
